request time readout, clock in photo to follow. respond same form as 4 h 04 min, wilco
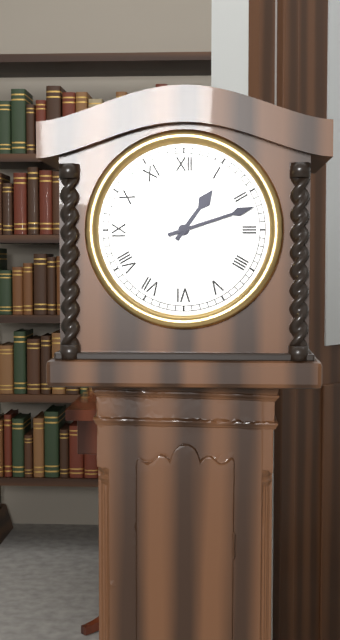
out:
1 h 12 min
